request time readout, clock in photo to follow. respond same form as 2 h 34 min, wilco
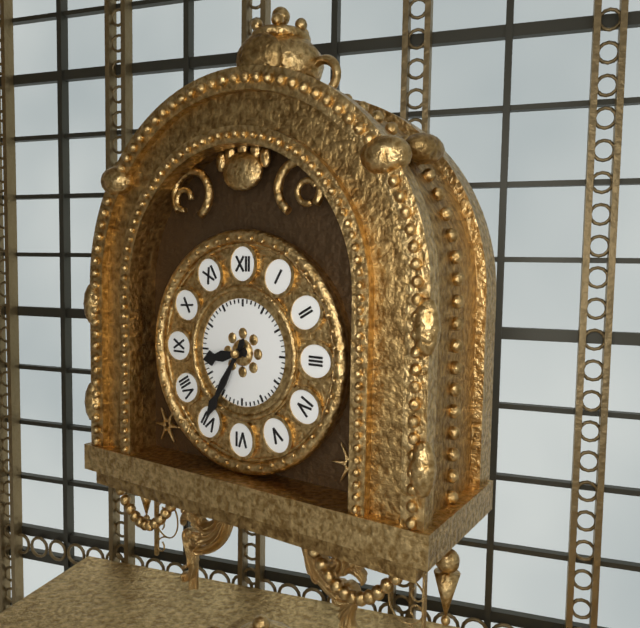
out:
8 h 35 min
